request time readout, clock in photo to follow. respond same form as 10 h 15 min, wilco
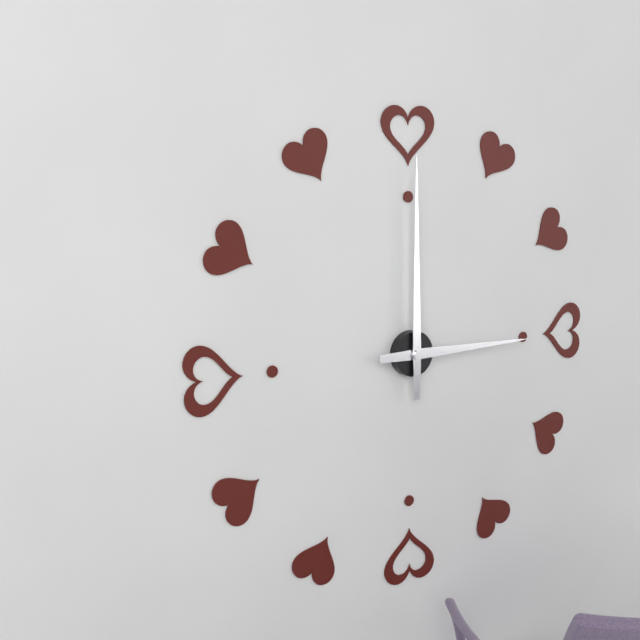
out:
3 h 00 min
